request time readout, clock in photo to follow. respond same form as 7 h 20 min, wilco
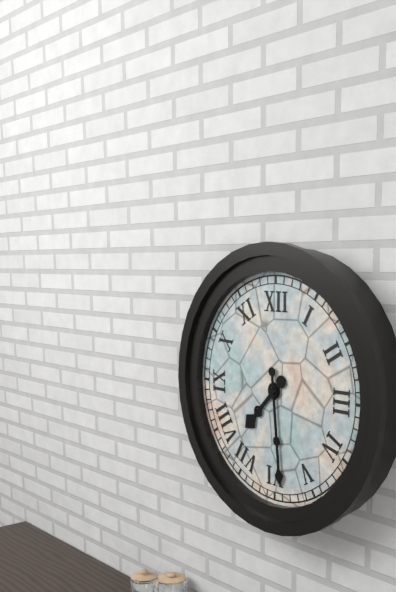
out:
7 h 29 min
